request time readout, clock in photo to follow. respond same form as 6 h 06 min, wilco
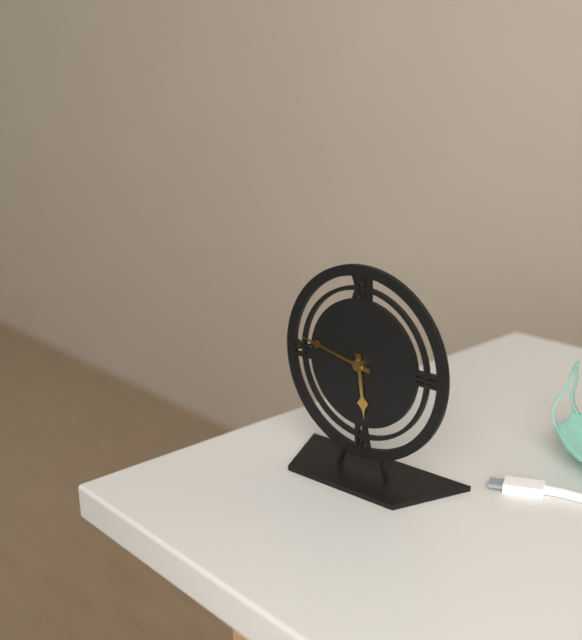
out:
5 h 47 min
